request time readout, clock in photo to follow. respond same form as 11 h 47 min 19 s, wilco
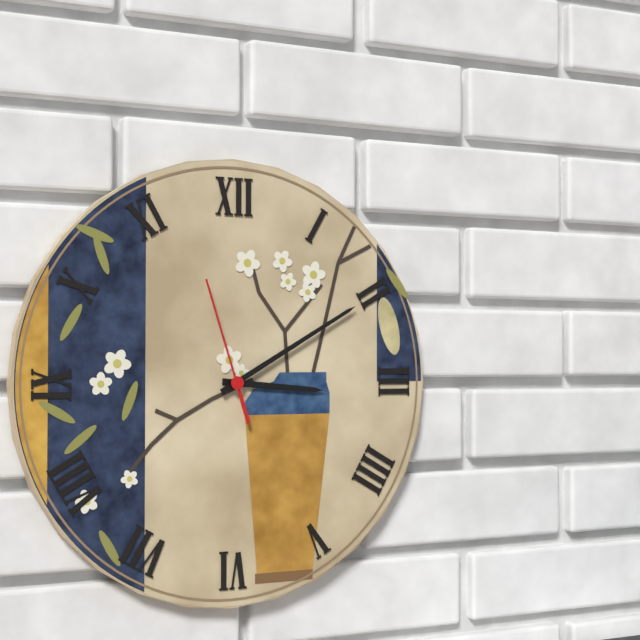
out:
3 h 10 min 57 s
